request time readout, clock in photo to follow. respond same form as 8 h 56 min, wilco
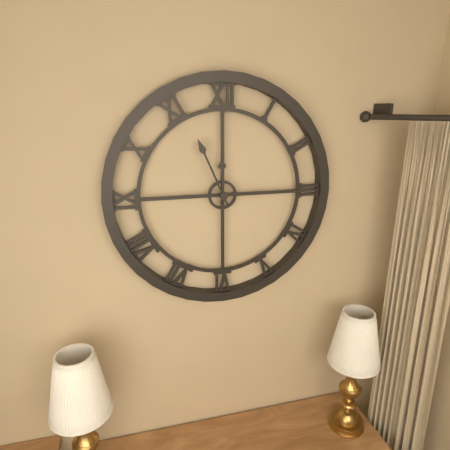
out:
11 h 56 min
